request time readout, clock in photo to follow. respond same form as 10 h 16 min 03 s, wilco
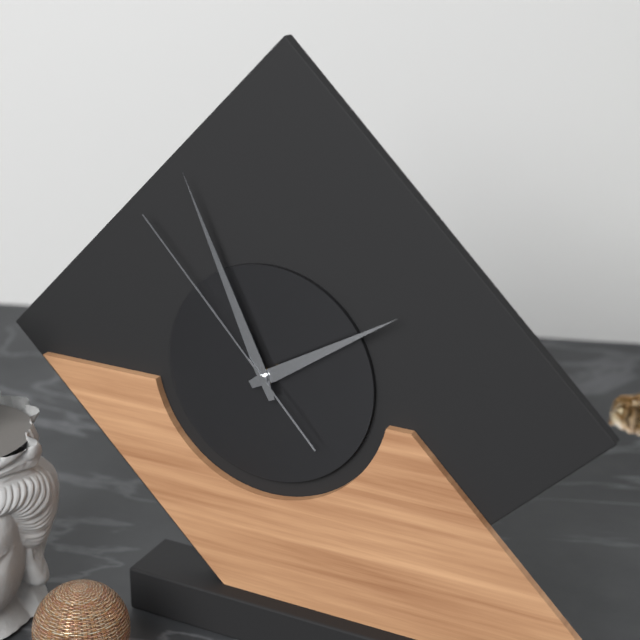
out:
1 h 56 min 53 s
